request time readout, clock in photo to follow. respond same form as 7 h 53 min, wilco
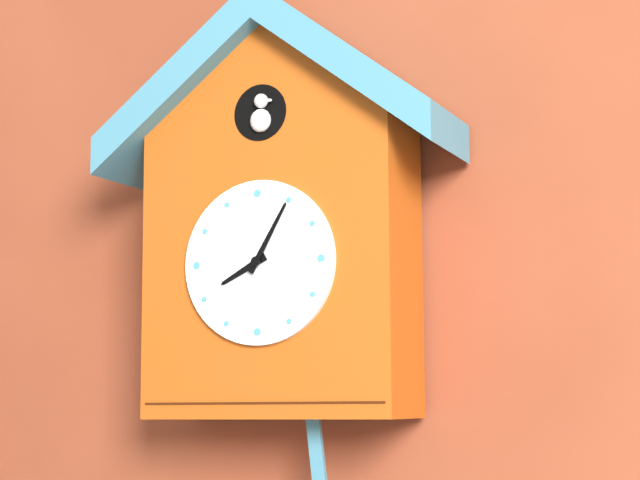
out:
8 h 05 min
